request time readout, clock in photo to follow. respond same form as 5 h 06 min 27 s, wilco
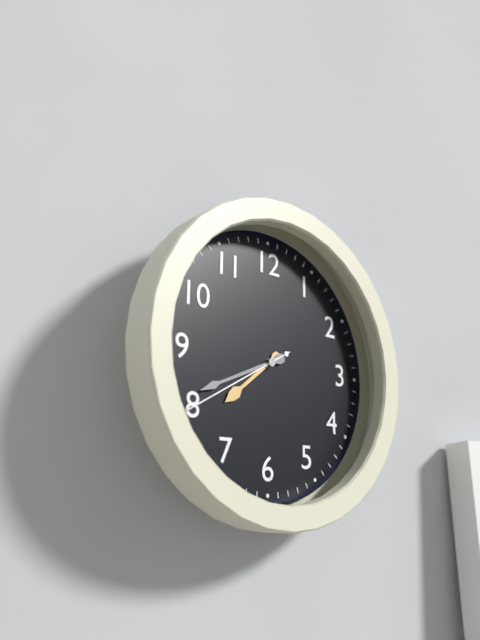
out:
7 h 41 min 40 s
